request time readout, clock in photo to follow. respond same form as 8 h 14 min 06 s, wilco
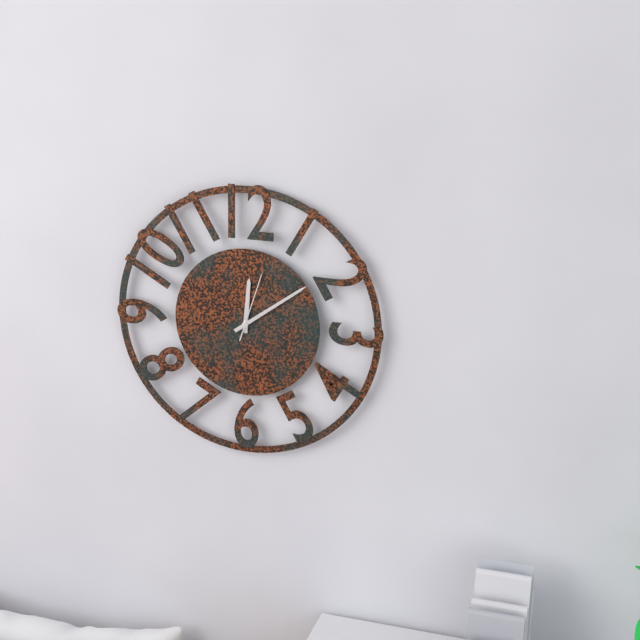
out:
12 h 09 min 03 s
